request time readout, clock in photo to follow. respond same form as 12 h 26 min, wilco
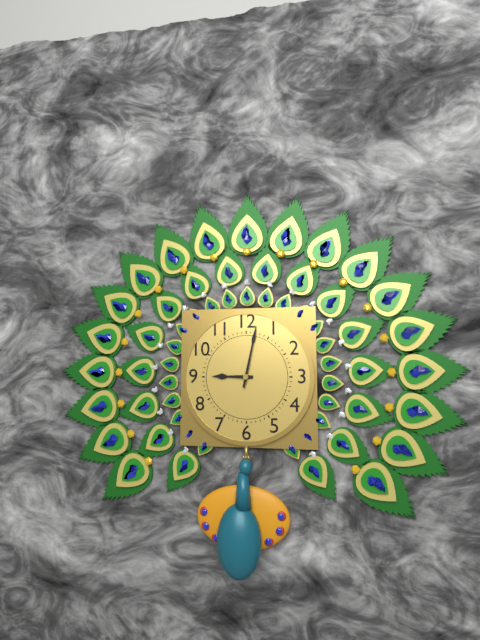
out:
9 h 02 min
